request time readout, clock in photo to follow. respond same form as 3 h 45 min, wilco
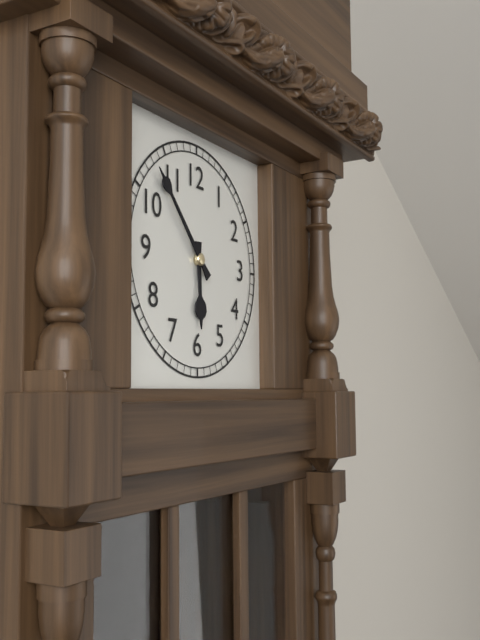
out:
5 h 53 min
